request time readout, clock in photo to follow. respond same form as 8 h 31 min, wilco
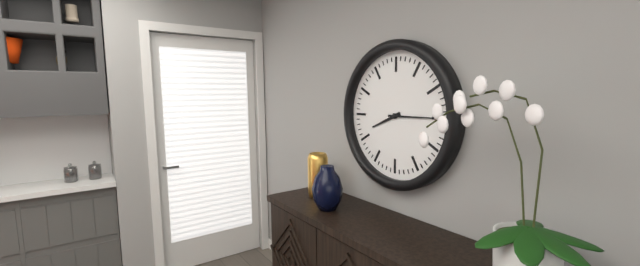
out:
8 h 15 min
